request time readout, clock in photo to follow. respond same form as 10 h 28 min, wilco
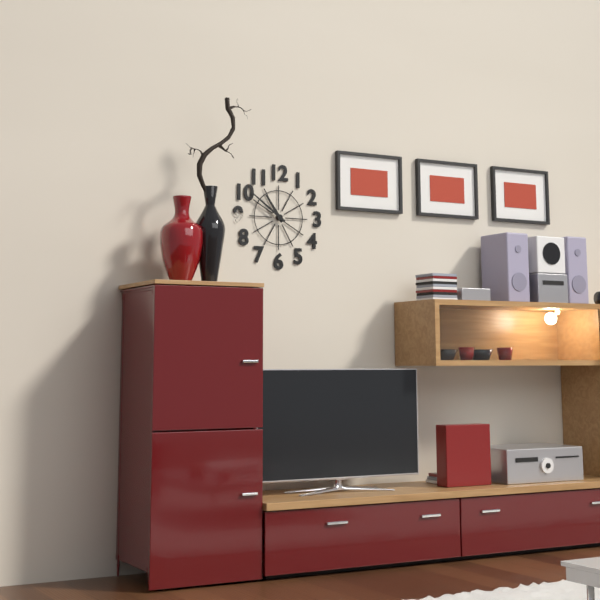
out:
10 h 51 min
